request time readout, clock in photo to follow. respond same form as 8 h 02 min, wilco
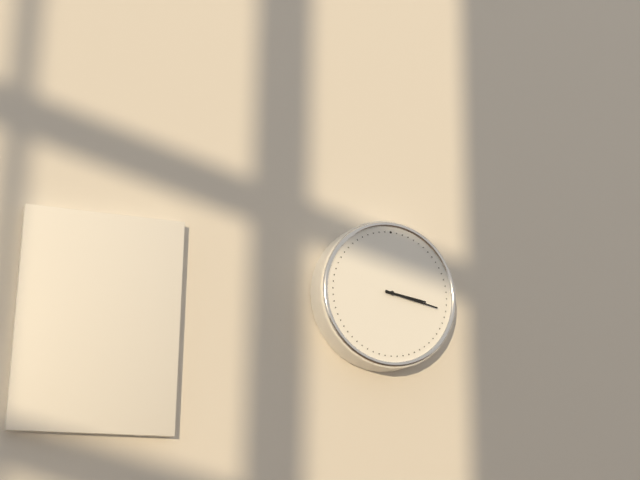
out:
3 h 17 min
